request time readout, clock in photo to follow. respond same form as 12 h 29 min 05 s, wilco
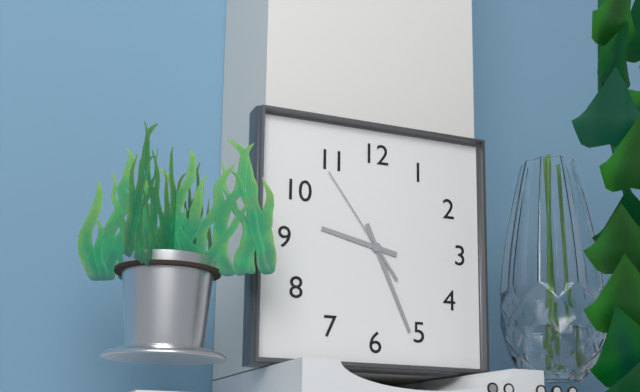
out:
9 h 26 min 54 s
